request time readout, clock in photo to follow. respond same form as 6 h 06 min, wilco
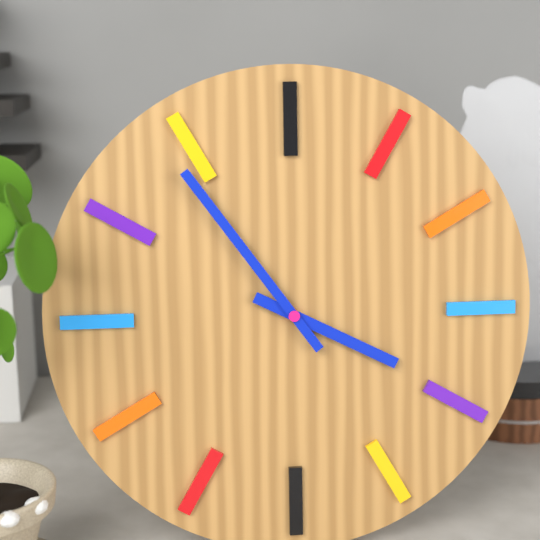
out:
3 h 54 min
